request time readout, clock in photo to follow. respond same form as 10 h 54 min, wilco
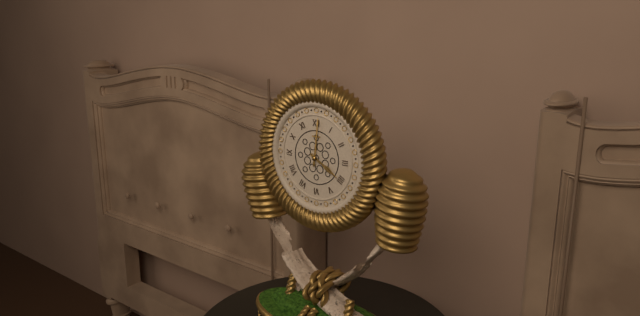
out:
4 h 01 min
